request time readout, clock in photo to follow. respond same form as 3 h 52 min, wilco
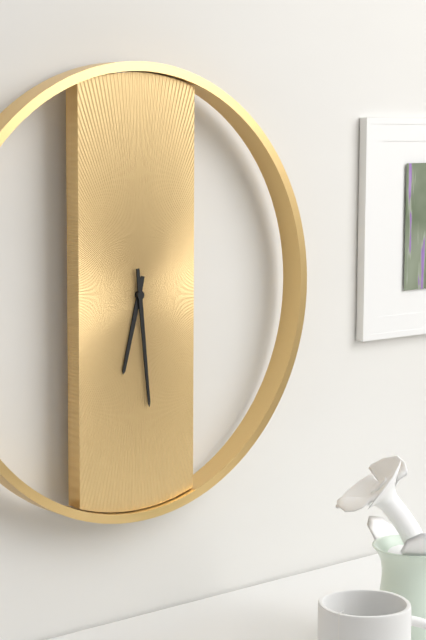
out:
6 h 29 min
